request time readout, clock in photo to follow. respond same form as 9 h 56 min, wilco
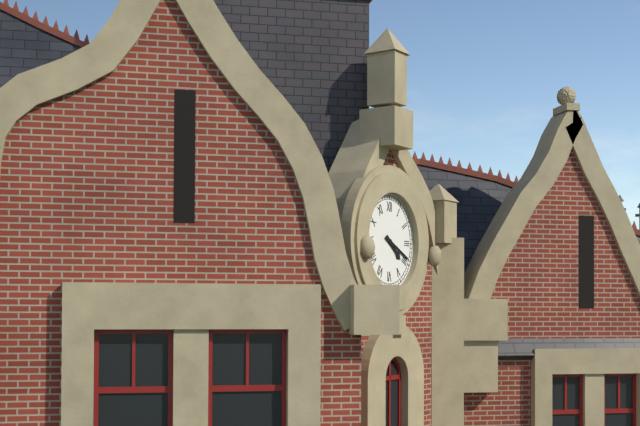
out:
4 h 19 min
